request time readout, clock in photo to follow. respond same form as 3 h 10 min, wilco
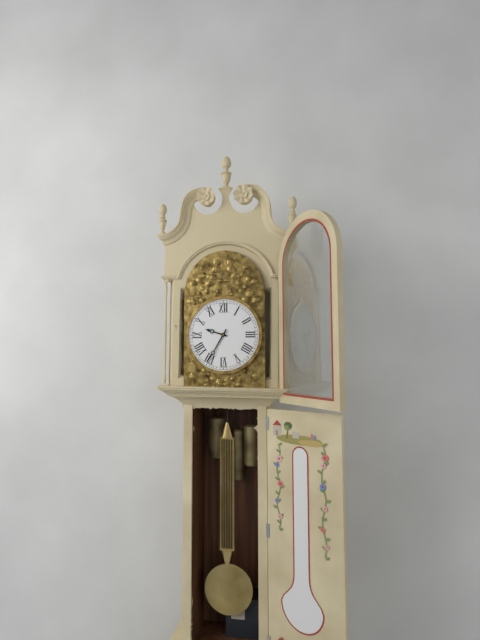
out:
9 h 35 min
